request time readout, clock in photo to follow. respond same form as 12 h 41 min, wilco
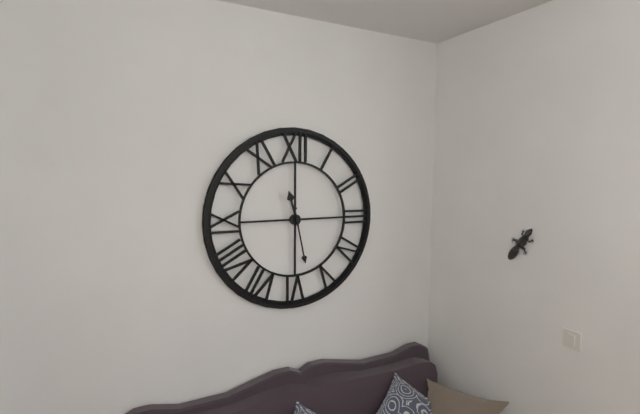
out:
11 h 28 min
